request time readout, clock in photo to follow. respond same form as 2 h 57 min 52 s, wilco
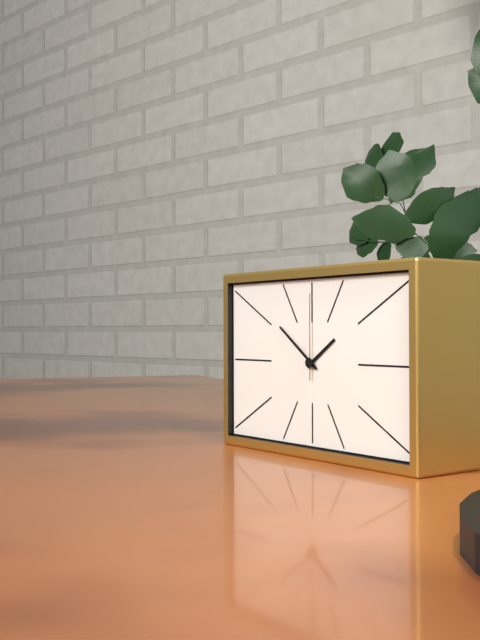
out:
1 h 51 min 00 s
